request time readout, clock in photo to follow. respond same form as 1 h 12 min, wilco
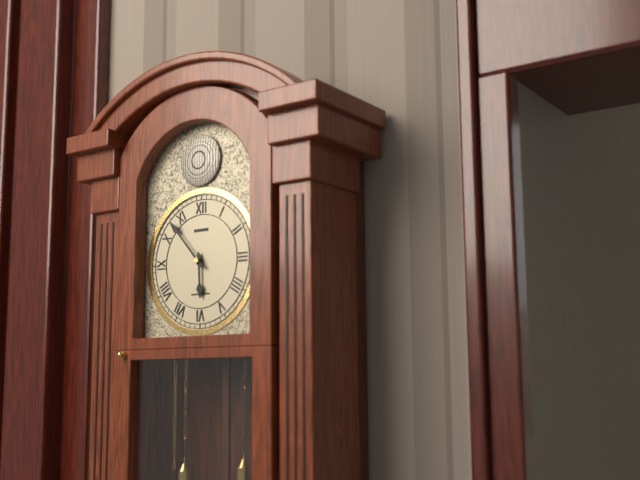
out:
5 h 53 min
